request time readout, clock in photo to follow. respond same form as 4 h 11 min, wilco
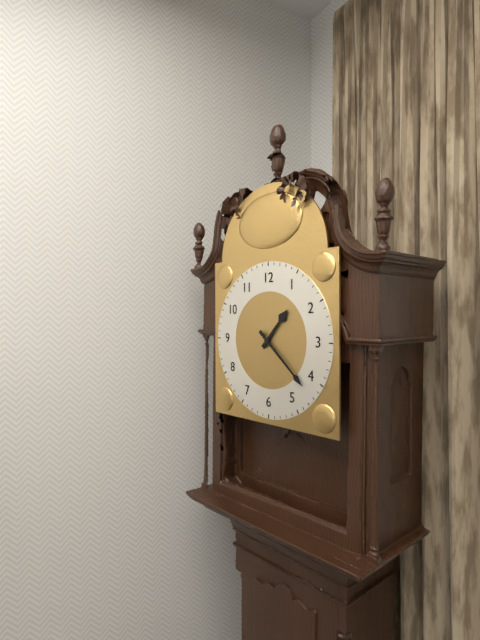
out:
1 h 22 min
